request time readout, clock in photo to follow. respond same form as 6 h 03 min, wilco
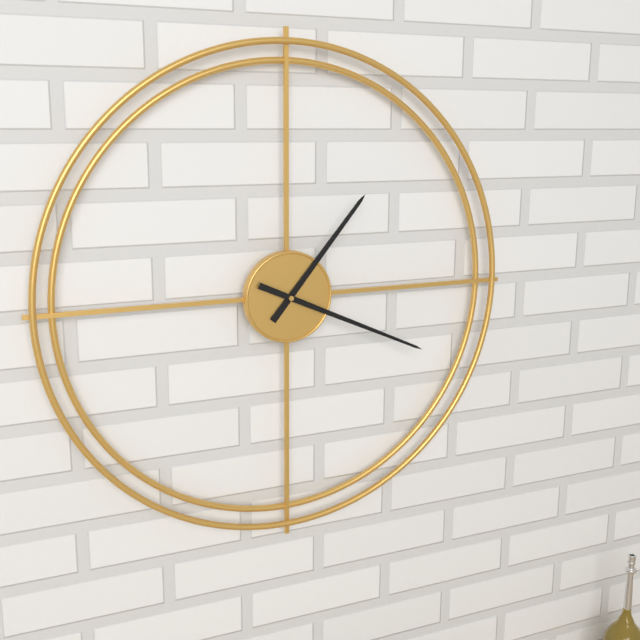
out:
1 h 19 min
